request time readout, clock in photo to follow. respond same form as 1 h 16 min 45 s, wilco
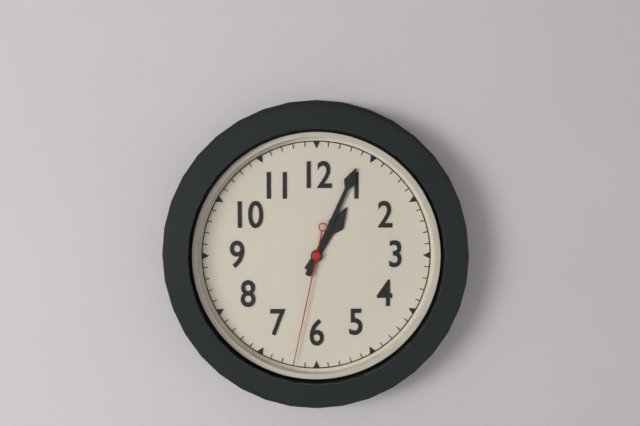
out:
1 h 04 min 32 s
